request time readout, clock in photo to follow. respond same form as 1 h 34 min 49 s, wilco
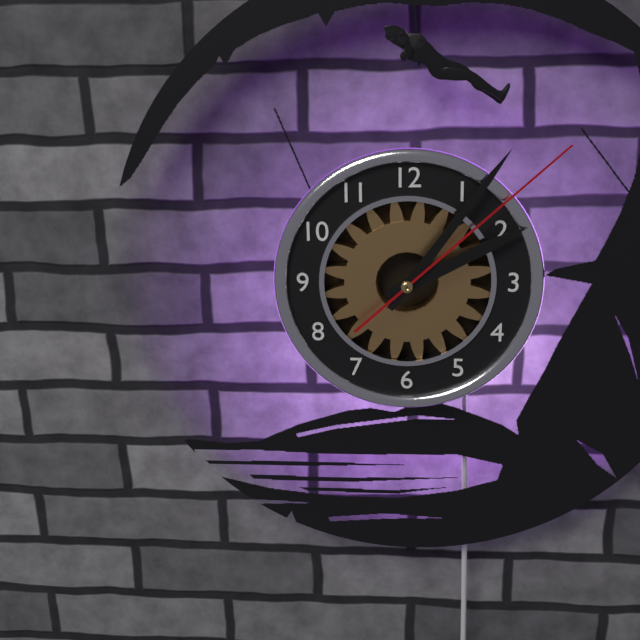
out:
2 h 06 min 08 s
